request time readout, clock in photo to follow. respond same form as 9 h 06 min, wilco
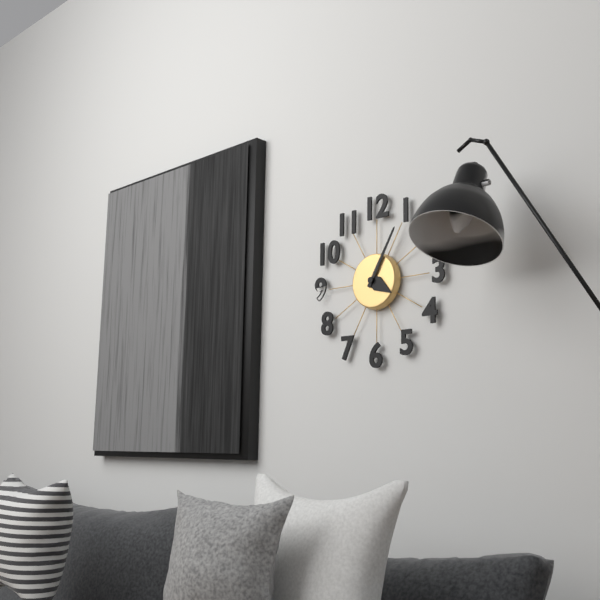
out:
4 h 05 min
